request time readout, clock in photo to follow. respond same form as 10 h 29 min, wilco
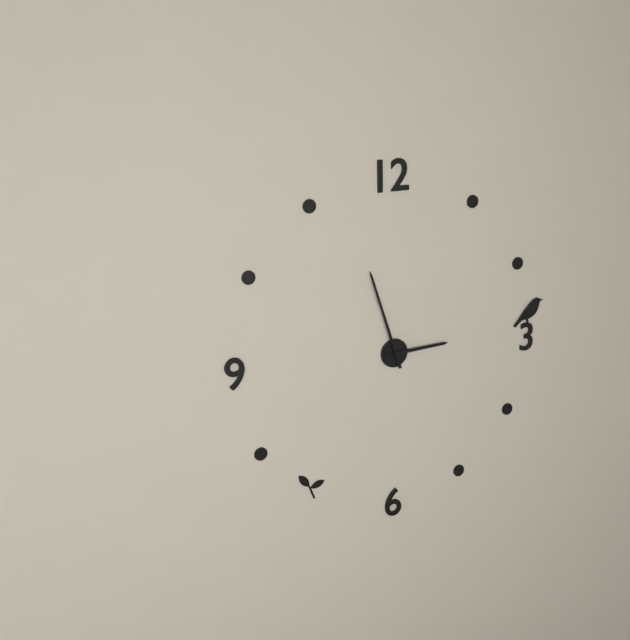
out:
2 h 57 min
